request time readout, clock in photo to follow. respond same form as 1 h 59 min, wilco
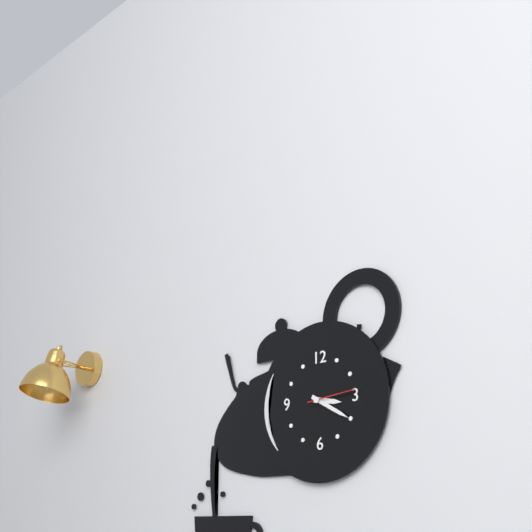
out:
3 h 20 min
